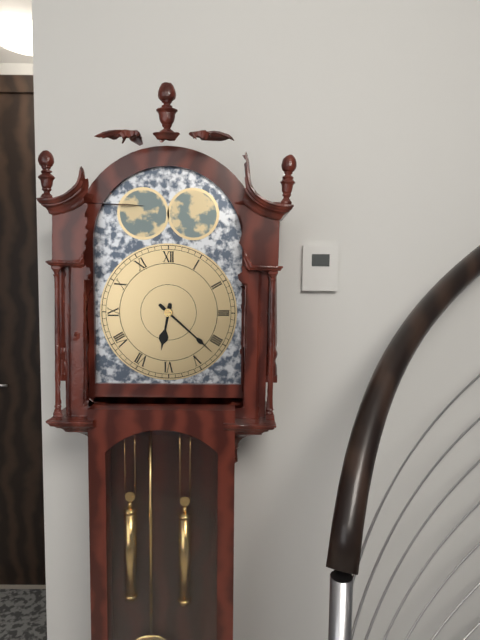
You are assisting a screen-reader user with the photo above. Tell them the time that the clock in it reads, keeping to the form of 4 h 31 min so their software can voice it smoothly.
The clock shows 6 h 22 min
